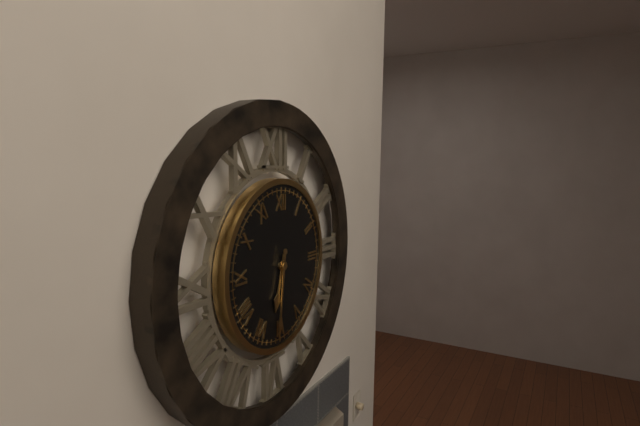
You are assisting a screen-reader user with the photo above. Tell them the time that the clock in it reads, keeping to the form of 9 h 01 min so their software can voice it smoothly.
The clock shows 6 h 31 min
